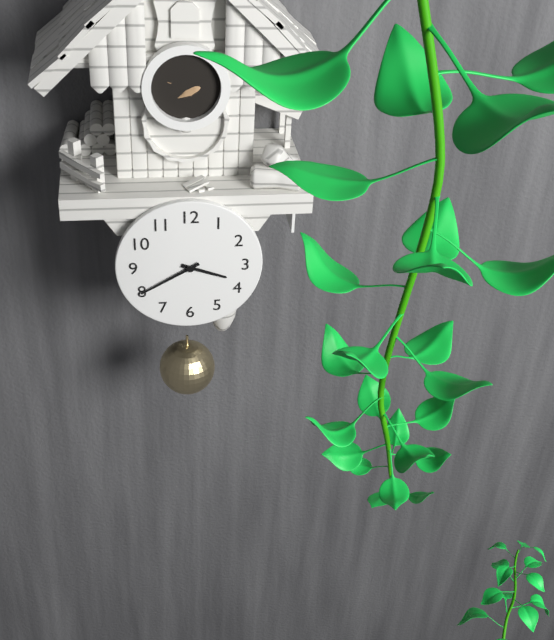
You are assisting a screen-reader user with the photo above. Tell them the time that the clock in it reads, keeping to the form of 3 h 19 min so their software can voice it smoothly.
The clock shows 3 h 40 min
